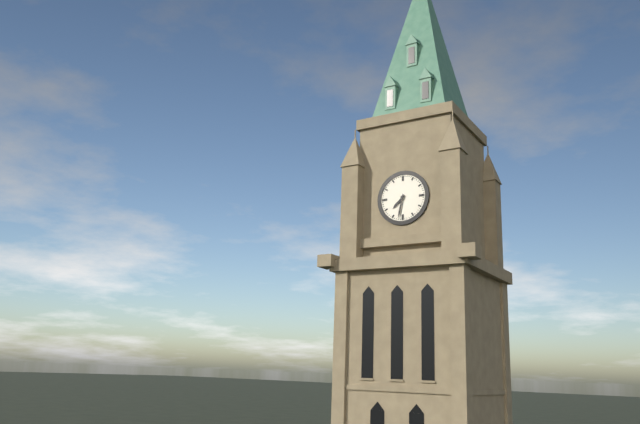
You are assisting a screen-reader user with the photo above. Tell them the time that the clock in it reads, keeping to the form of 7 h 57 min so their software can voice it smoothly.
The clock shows 7 h 32 min
